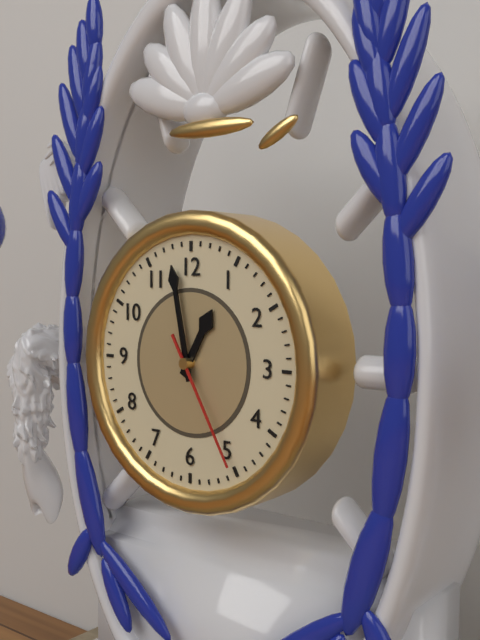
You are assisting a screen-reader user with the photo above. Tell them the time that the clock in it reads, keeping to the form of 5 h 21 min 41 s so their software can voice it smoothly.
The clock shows 12 h 58 min 25 s
